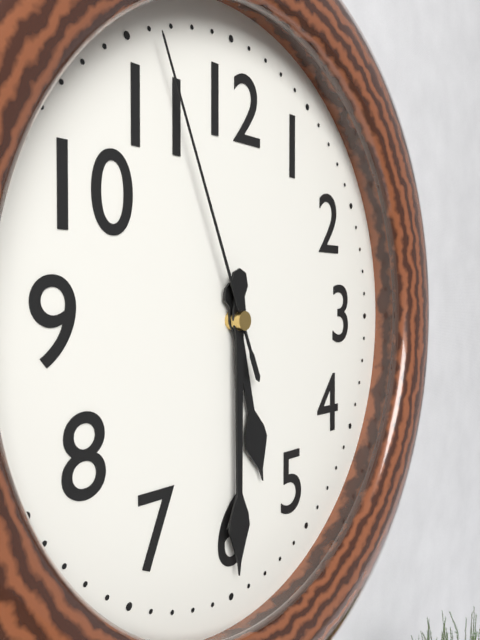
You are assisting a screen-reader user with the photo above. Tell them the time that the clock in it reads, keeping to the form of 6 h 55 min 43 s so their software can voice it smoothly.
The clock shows 5 h 30 min 56 s
